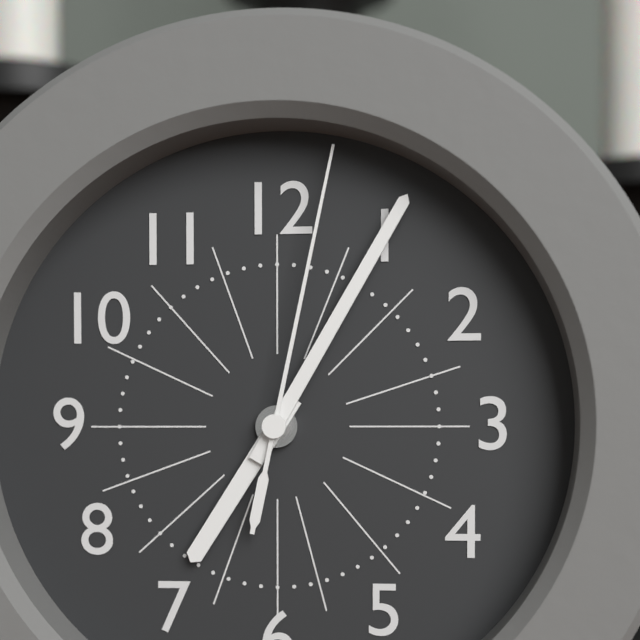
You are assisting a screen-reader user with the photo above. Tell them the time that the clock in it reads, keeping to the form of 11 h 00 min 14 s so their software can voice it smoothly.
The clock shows 7 h 05 min 02 s
